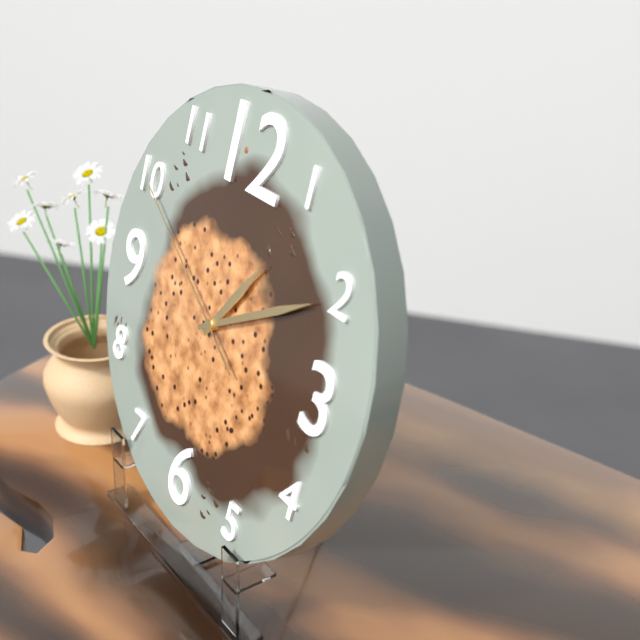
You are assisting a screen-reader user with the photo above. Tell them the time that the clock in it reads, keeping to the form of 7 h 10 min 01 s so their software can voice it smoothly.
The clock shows 1 h 10 min 50 s
